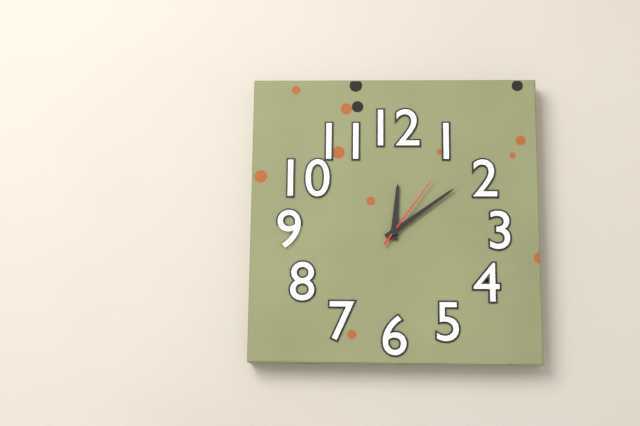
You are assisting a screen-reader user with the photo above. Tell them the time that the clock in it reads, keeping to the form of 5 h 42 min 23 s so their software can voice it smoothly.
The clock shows 12 h 09 min 06 s
